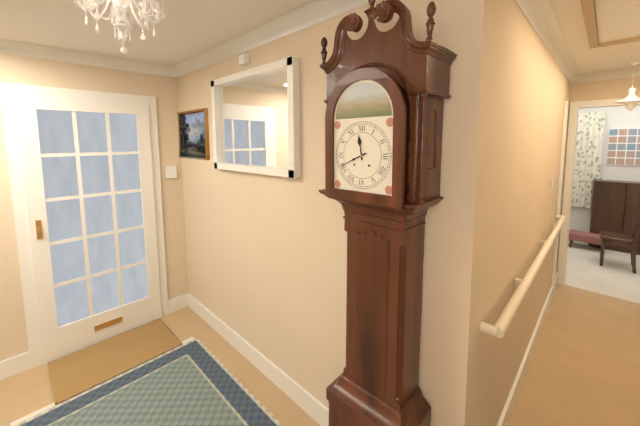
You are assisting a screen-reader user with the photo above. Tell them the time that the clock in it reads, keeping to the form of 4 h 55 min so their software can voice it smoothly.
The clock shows 11 h 41 min
